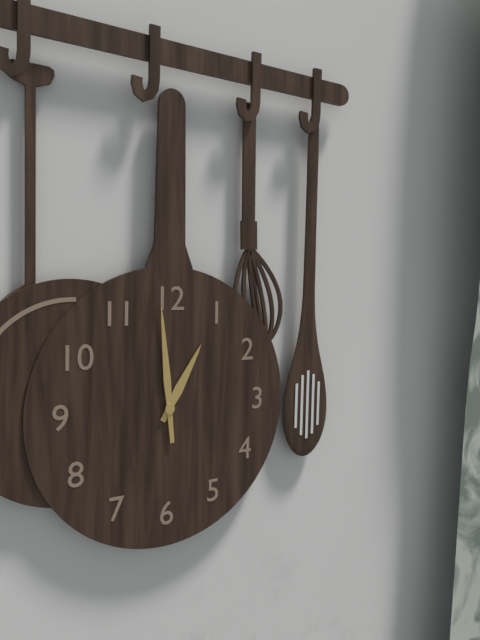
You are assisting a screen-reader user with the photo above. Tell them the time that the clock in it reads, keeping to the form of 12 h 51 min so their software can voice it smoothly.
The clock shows 12 h 59 min
